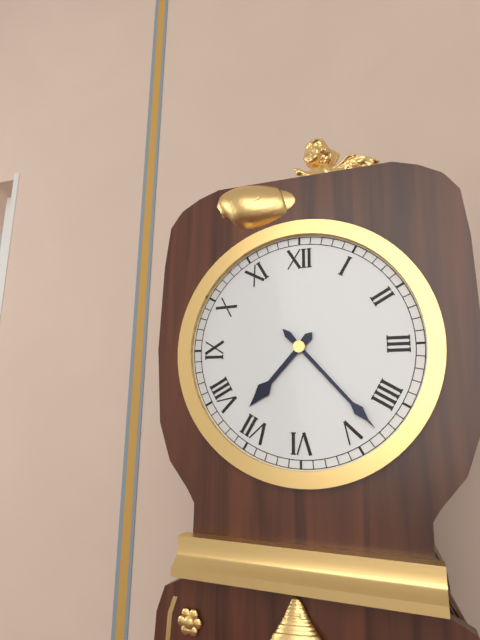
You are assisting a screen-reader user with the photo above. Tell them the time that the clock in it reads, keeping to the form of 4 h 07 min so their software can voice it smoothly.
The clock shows 7 h 23 min
